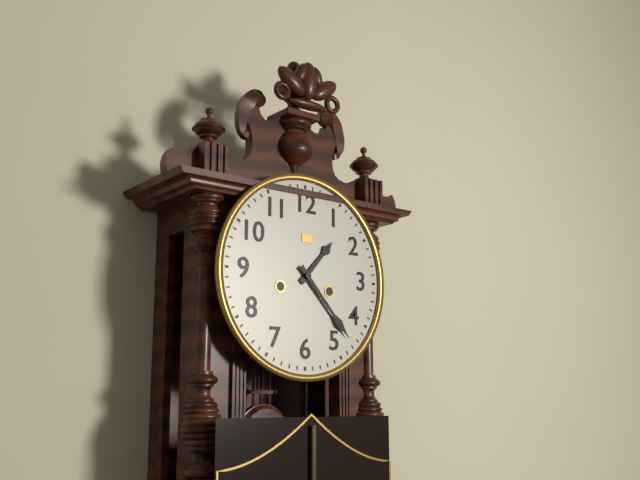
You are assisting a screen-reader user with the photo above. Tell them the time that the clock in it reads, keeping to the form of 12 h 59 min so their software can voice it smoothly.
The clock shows 1 h 23 min
